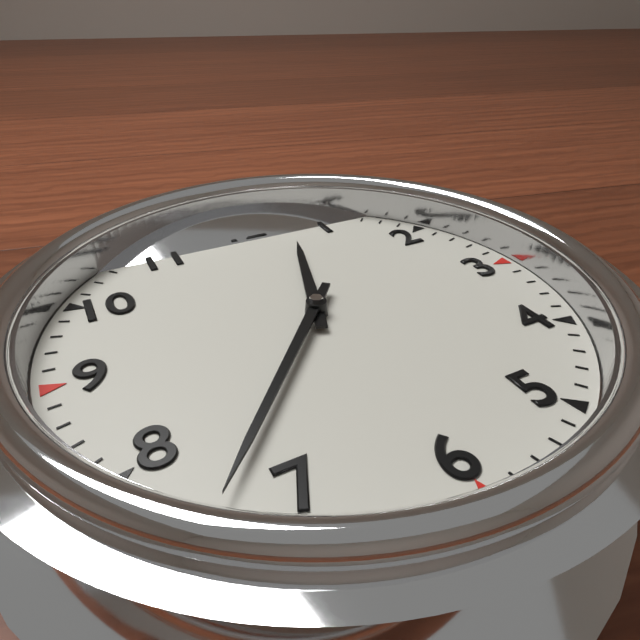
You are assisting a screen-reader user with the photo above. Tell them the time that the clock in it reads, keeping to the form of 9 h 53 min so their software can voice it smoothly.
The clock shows 12 h 37 min
